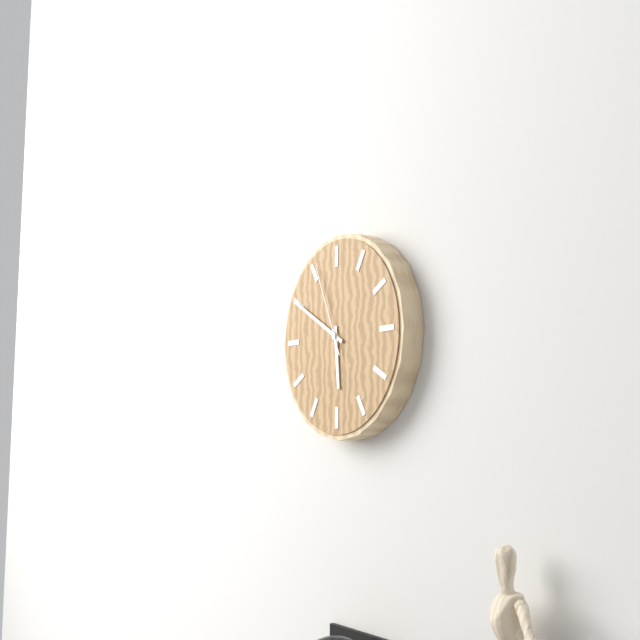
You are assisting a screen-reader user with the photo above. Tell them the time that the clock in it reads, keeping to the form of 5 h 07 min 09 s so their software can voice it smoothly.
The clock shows 5 h 50 min 56 s
